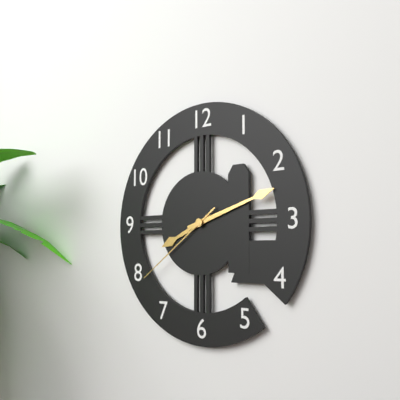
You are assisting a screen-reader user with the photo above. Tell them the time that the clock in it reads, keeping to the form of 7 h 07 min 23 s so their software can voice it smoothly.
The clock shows 8 h 12 min 39 s
